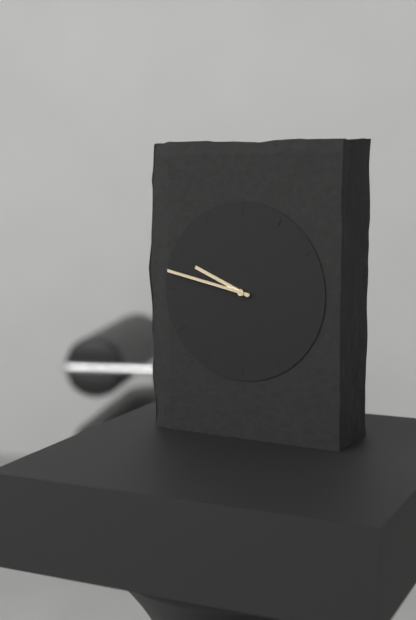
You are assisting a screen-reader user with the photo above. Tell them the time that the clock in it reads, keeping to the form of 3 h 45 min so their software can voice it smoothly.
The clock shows 9 h 47 min
